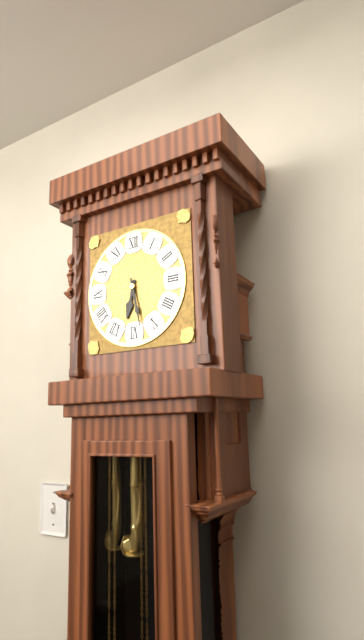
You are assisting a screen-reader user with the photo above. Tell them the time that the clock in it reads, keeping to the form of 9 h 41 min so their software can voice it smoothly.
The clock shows 6 h 28 min
